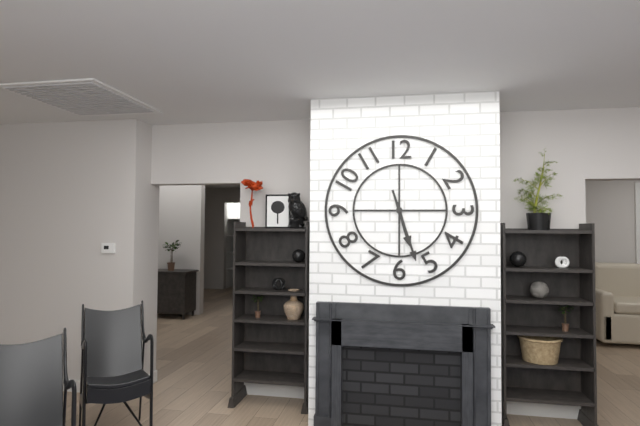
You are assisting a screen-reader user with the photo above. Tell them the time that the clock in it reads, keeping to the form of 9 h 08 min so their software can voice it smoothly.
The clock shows 5 h 27 min
